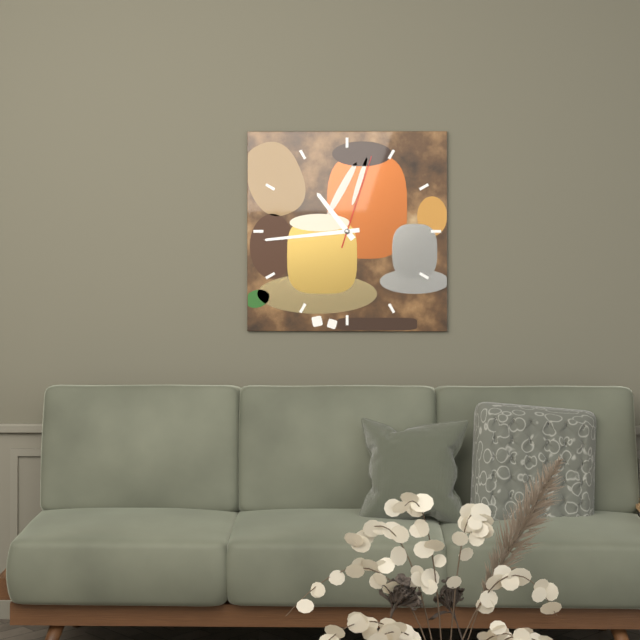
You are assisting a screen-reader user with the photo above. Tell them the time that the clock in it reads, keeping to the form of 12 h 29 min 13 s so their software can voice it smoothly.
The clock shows 10 h 44 min 03 s
